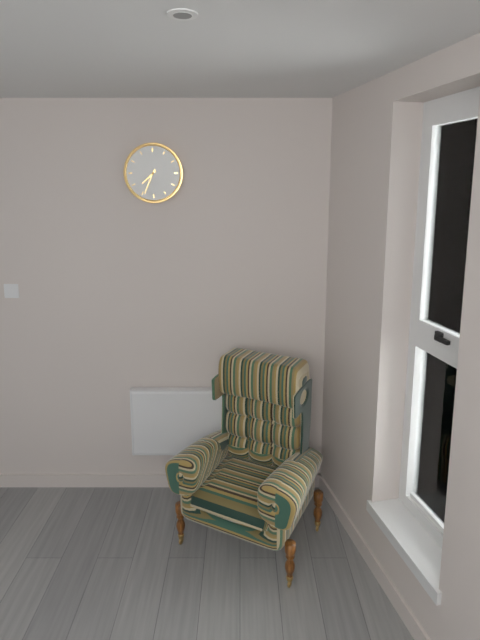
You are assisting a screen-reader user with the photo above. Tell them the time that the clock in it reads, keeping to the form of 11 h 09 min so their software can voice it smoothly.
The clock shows 7 h 34 min
